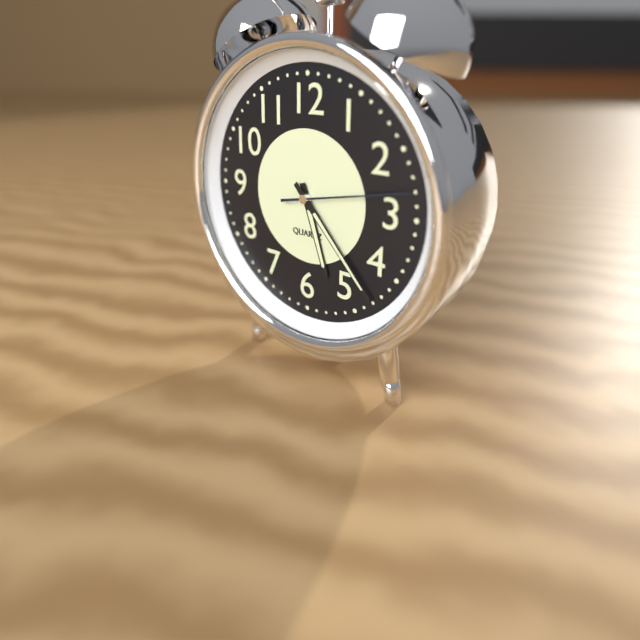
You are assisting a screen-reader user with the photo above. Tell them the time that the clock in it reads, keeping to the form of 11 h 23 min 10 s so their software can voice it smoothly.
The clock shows 5 h 23 min 13 s
